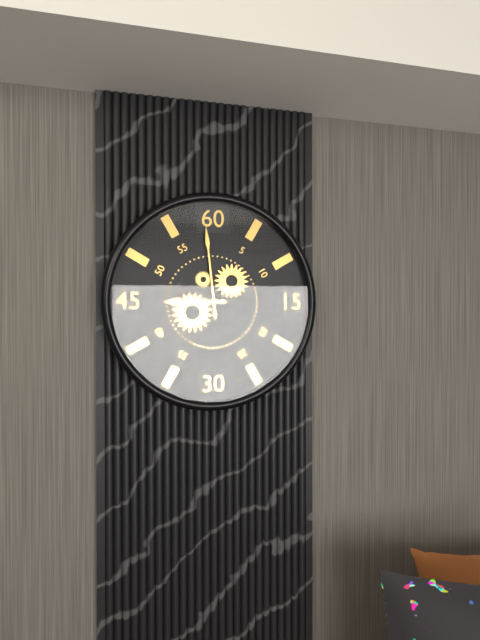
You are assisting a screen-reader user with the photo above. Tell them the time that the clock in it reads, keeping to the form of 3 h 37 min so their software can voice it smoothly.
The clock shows 8 h 59 min
